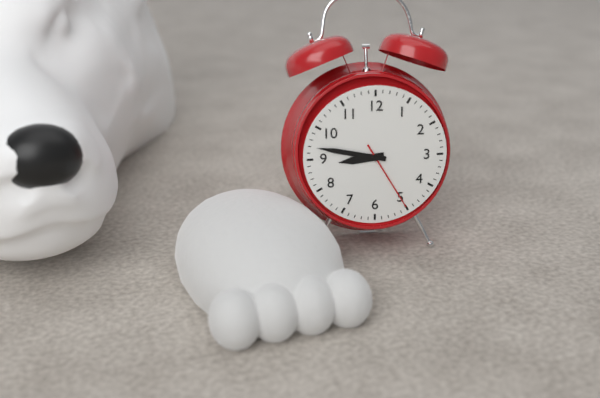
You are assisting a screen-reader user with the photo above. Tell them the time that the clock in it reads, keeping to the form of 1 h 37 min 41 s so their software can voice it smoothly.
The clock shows 8 h 47 min 25 s
